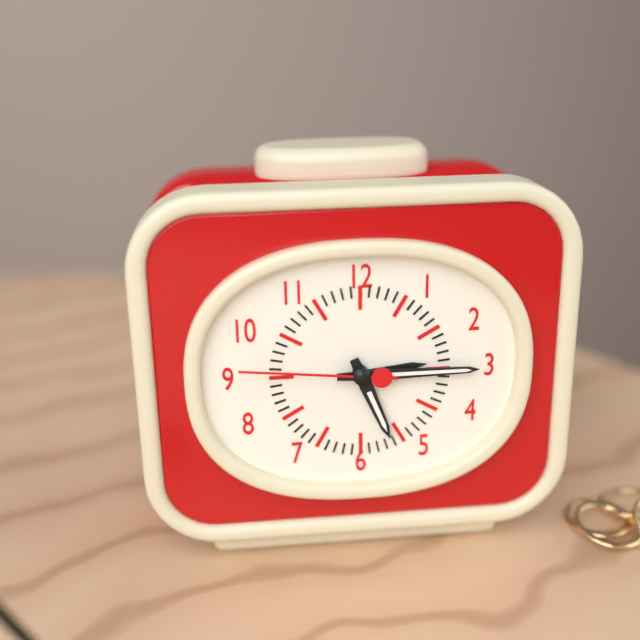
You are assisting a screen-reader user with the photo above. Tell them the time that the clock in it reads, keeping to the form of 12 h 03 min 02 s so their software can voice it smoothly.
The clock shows 5 h 15 min 46 s
